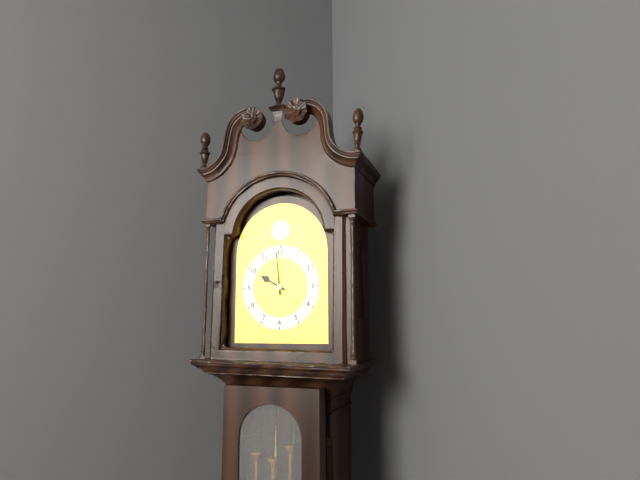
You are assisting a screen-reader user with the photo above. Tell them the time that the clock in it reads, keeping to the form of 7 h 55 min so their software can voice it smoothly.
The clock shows 9 h 59 min
